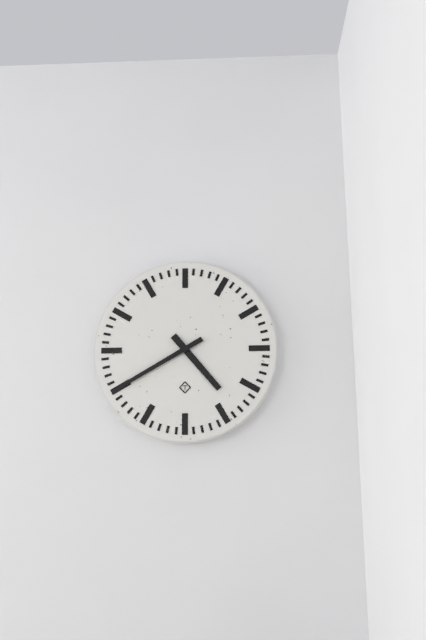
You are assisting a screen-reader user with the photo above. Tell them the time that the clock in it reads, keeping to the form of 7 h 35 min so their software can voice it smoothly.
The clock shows 4 h 40 min
